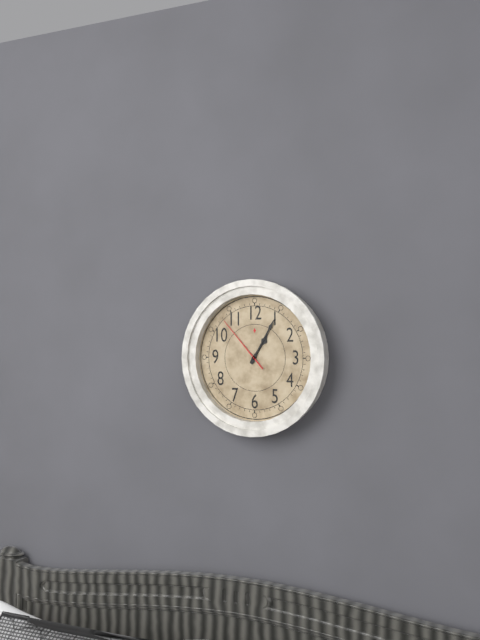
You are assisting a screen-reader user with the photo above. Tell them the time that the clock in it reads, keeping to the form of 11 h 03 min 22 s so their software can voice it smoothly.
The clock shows 1 h 05 min 53 s
